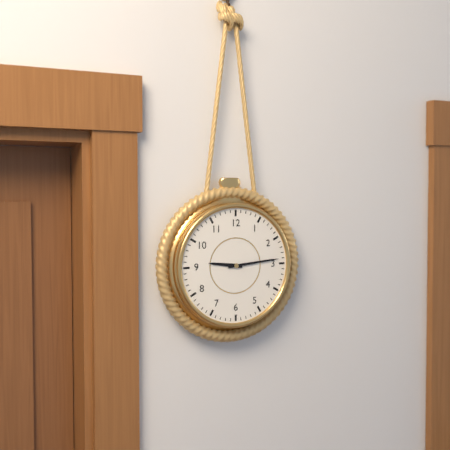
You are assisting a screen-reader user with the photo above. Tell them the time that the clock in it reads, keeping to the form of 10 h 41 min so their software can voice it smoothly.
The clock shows 9 h 14 min
